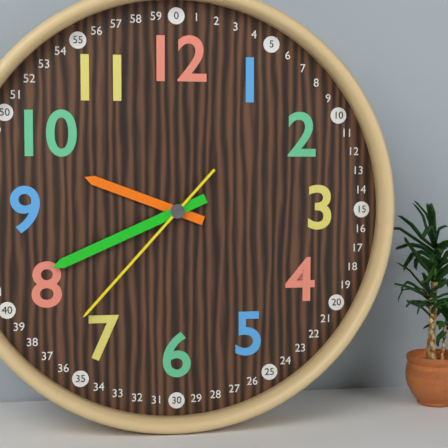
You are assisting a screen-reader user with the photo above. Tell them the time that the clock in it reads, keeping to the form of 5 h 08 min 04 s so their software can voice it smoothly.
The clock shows 9 h 41 min 37 s
